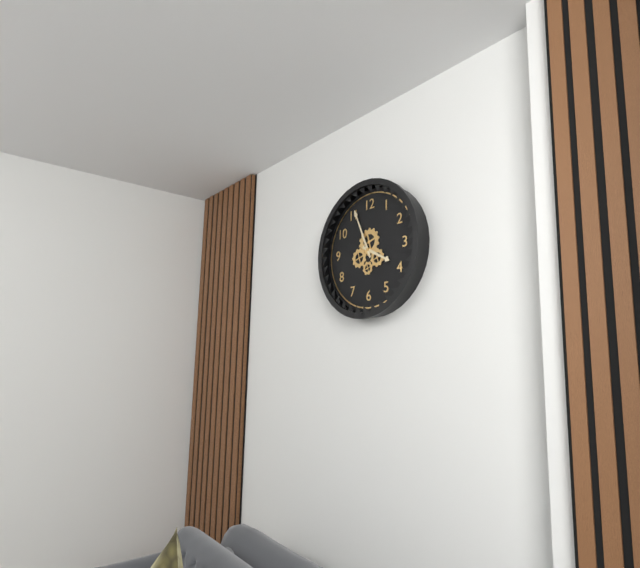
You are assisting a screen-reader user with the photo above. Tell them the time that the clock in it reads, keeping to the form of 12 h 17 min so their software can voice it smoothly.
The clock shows 3 h 56 min
